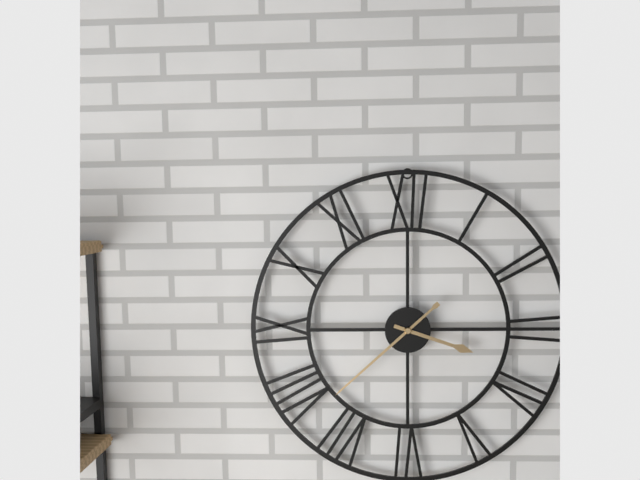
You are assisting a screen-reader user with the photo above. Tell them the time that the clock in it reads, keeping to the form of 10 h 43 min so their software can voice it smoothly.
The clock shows 3 h 38 min
